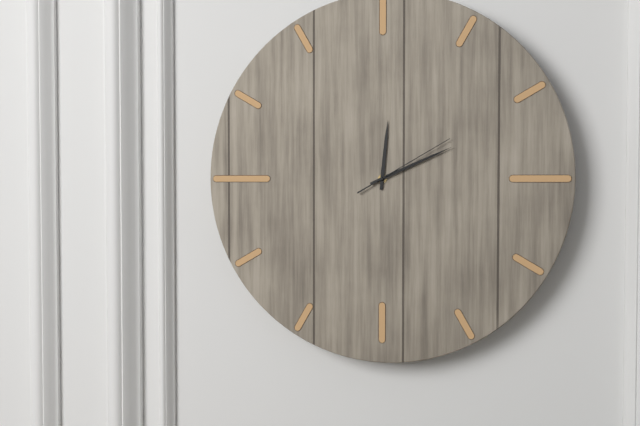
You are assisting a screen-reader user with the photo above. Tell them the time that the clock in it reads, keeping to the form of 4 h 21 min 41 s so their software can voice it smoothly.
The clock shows 12 h 11 min 10 s
